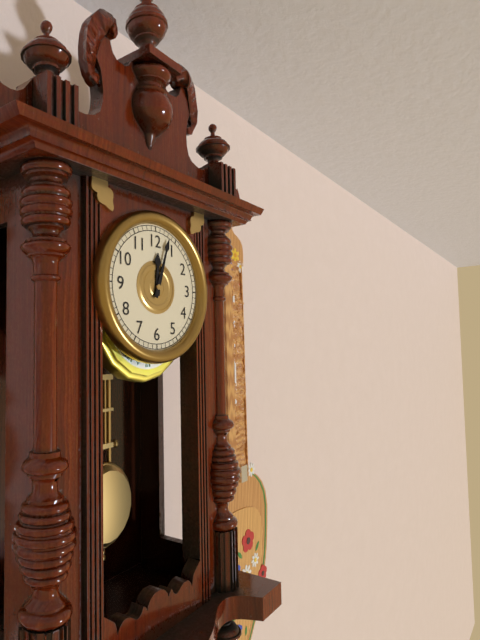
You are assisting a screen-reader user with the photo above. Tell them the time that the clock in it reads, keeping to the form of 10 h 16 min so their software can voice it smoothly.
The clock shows 12 h 03 min
